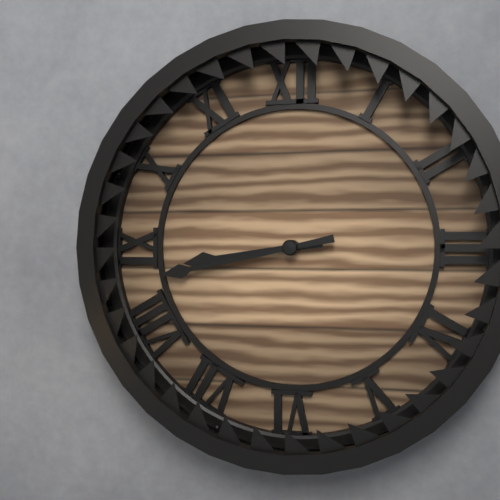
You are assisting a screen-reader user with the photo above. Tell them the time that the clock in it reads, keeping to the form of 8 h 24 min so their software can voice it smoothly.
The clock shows 8 h 43 min
